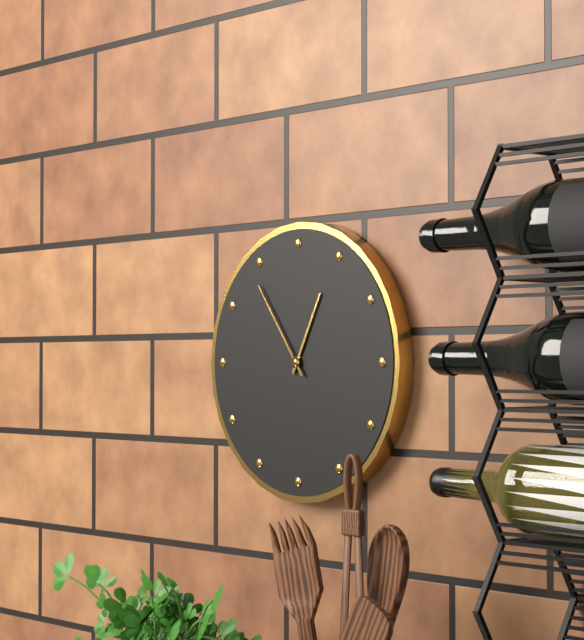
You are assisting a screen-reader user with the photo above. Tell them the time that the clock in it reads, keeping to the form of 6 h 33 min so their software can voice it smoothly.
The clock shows 12 h 54 min
